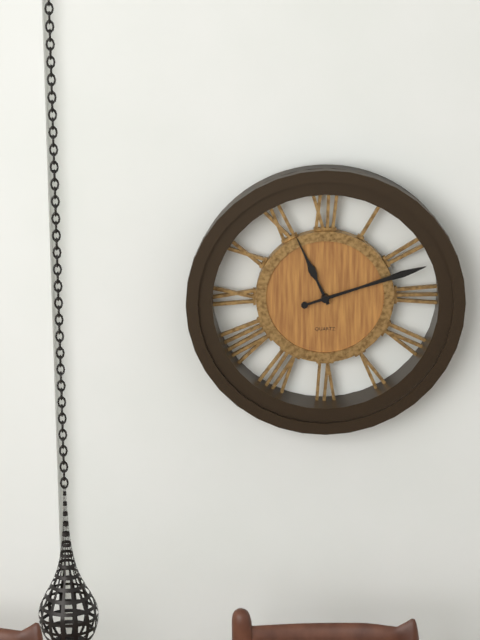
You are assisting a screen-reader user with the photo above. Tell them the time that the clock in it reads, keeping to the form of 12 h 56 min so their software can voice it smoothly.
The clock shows 11 h 12 min
